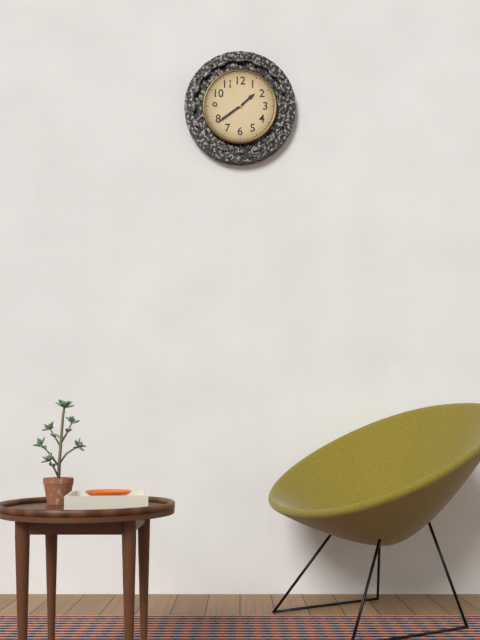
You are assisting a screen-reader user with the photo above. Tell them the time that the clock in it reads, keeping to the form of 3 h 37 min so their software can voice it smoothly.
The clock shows 1 h 39 min
